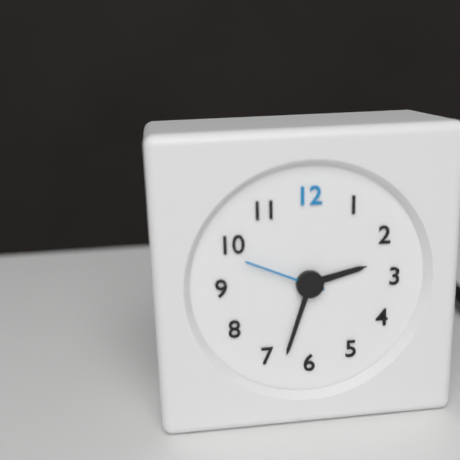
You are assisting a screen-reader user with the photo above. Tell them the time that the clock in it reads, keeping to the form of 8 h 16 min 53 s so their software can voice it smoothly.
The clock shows 2 h 33 min 49 s
